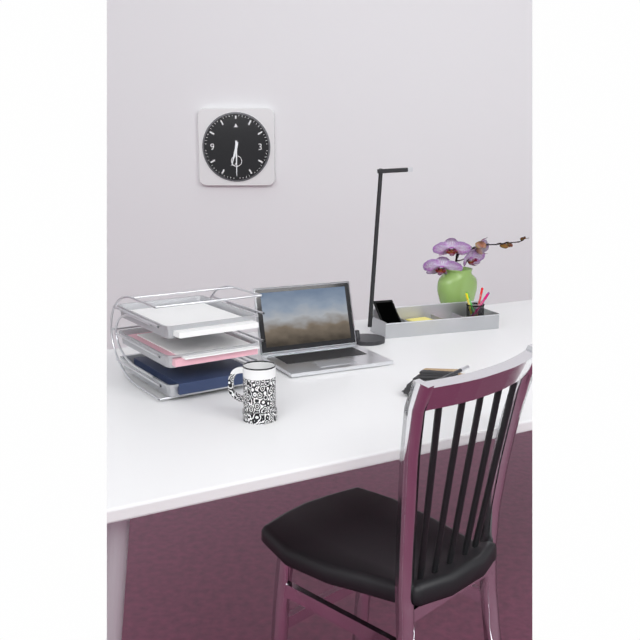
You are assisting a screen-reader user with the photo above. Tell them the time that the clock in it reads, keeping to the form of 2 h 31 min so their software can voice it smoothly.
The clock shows 6 h 30 min
